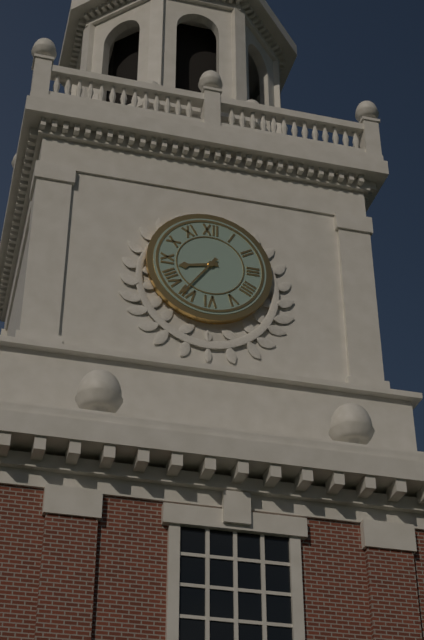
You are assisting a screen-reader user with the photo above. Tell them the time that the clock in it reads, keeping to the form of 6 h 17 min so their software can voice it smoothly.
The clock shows 8 h 36 min
